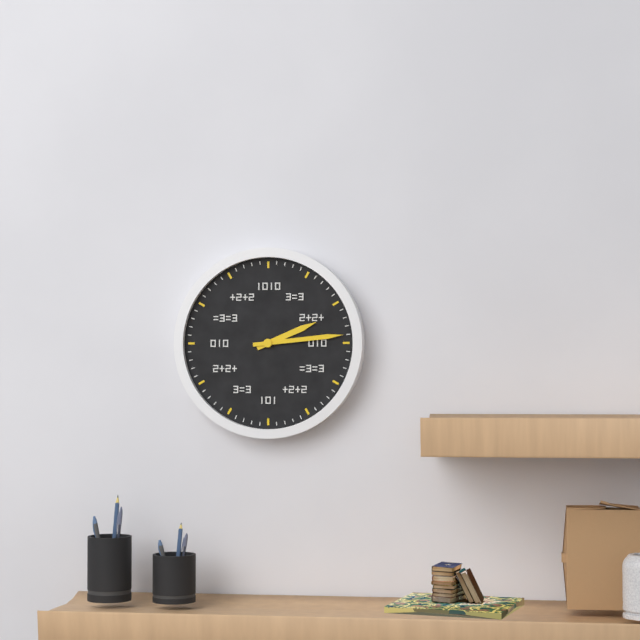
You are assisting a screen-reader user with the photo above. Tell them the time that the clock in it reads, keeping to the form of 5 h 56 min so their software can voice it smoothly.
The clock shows 2 h 14 min
